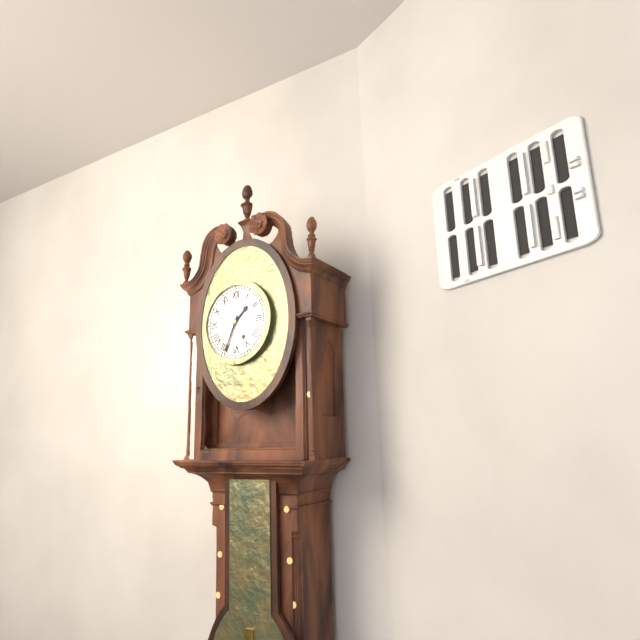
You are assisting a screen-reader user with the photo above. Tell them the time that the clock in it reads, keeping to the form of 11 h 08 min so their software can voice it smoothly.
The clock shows 1 h 34 min
